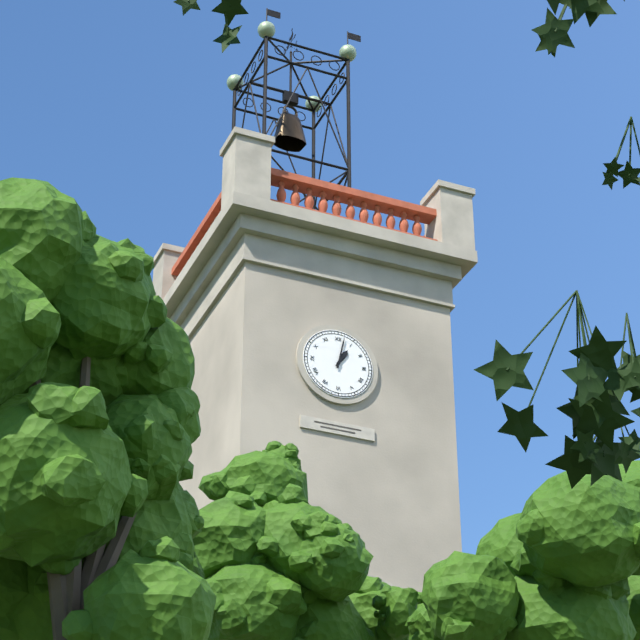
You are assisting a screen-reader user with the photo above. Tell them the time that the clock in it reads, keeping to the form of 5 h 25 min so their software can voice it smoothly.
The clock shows 1 h 02 min
